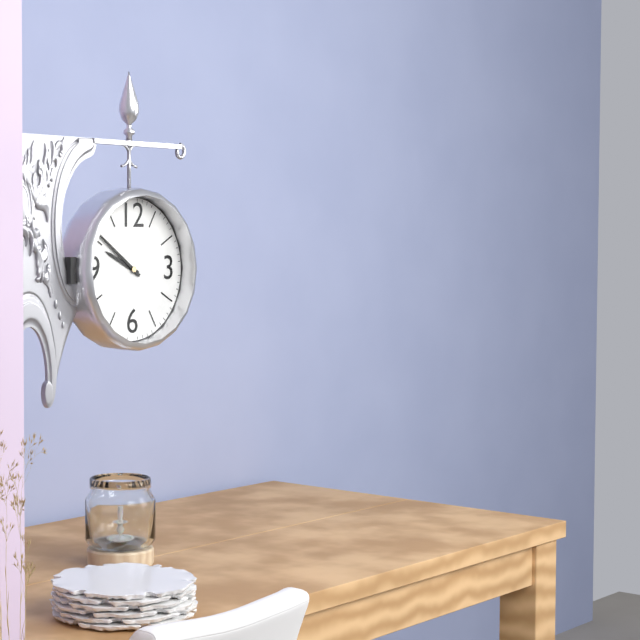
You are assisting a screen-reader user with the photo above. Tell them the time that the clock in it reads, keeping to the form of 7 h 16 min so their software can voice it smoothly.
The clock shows 9 h 51 min
